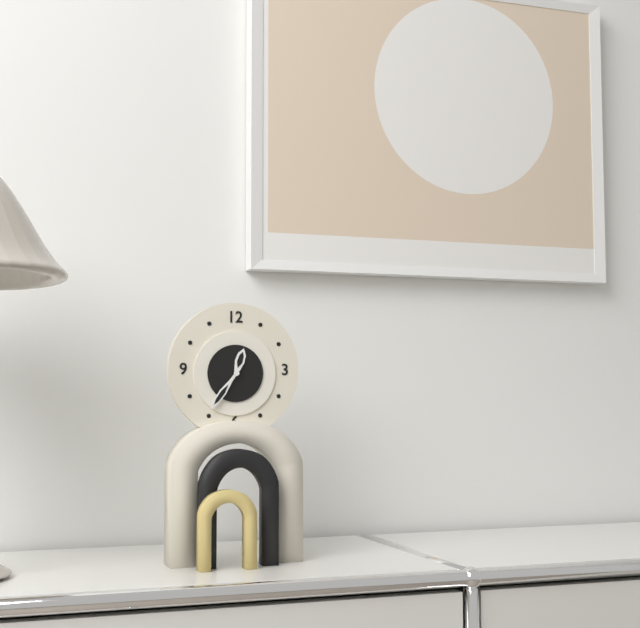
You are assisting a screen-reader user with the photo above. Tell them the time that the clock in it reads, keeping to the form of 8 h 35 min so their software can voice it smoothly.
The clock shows 12 h 36 min
